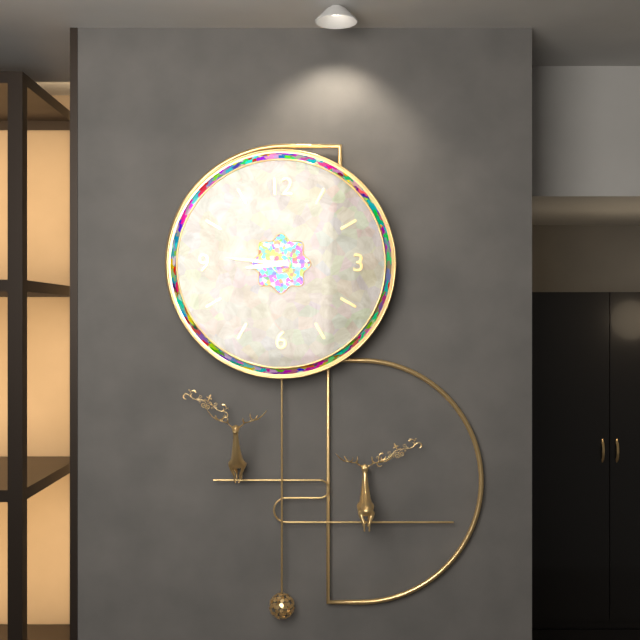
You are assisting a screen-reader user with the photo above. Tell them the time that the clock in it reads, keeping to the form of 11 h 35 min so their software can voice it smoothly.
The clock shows 8 h 46 min
